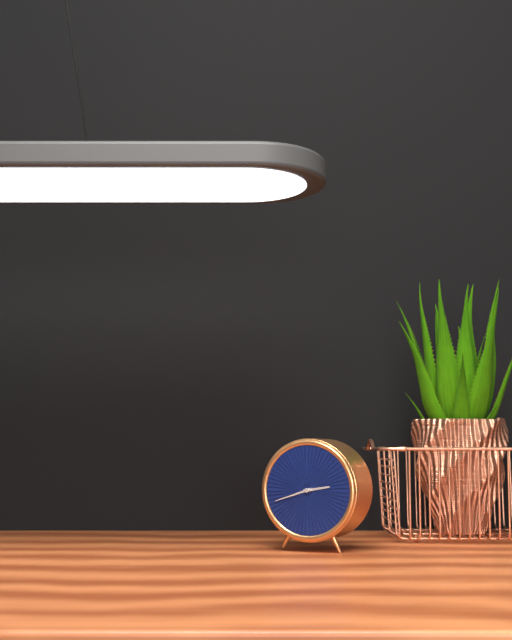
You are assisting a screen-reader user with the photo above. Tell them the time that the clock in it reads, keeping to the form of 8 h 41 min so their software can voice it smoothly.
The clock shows 2 h 42 min
